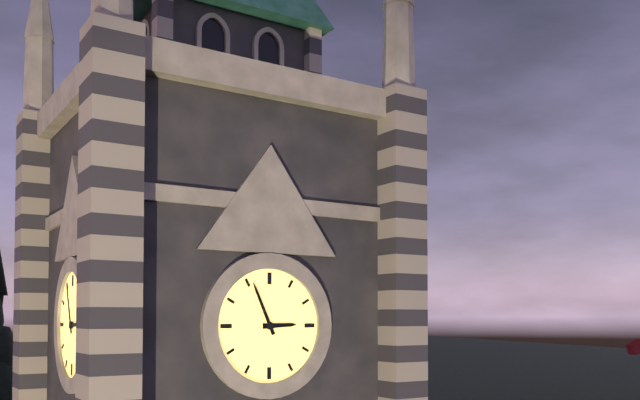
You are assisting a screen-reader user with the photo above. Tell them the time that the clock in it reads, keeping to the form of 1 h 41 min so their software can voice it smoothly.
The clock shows 2 h 56 min
